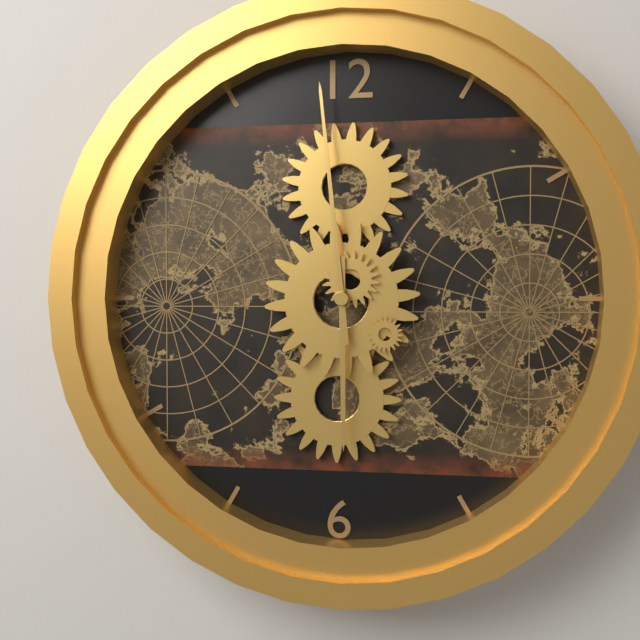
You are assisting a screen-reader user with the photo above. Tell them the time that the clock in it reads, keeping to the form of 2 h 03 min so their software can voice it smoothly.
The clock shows 5 h 59 min
